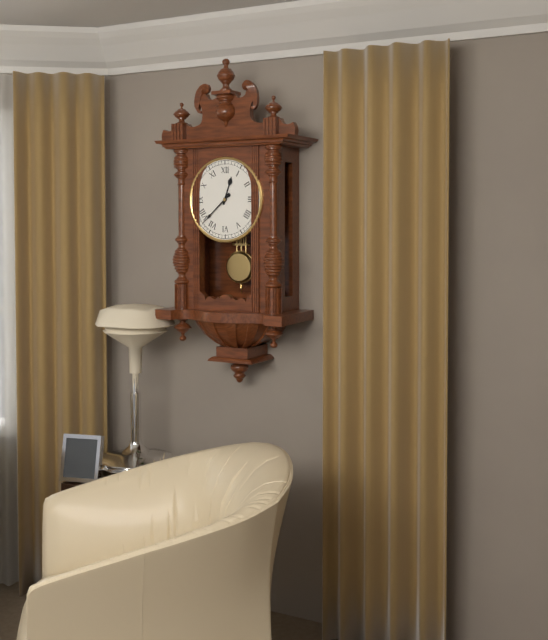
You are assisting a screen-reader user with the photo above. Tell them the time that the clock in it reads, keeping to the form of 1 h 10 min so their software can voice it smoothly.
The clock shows 12 h 38 min
